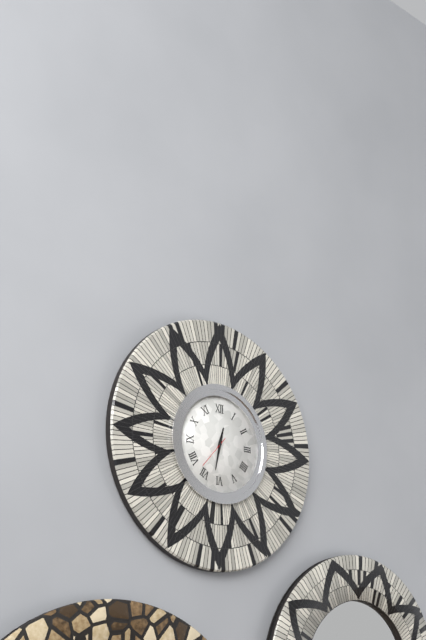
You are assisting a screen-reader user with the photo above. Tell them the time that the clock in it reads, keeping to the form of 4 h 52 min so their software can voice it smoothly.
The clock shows 12 h 32 min
